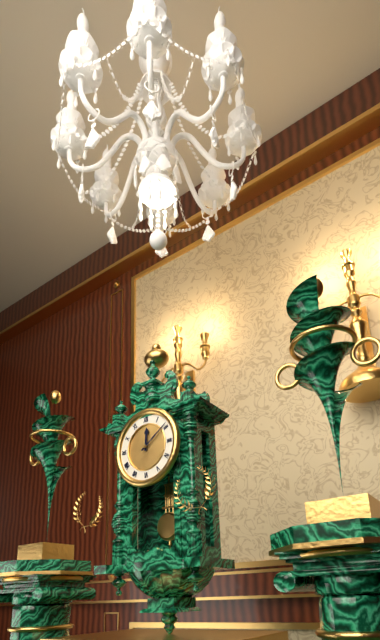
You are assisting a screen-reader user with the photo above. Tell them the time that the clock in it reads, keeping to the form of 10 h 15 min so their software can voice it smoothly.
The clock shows 12 h 09 min
